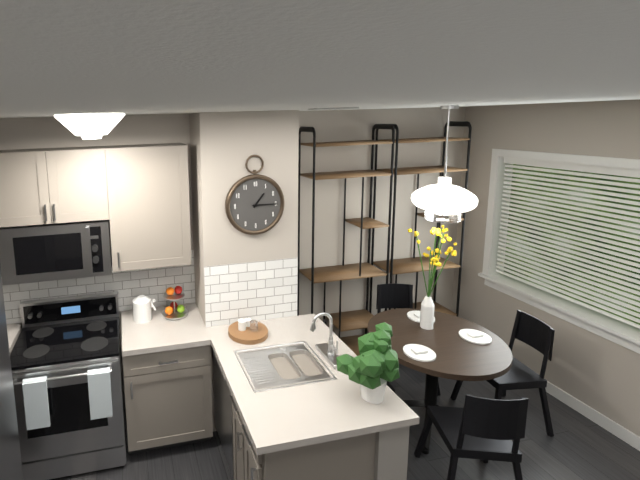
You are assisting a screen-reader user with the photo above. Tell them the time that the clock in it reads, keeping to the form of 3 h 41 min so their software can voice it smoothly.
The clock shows 1 h 15 min
